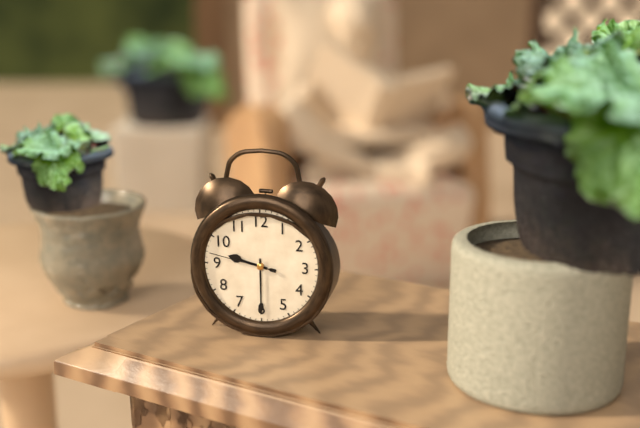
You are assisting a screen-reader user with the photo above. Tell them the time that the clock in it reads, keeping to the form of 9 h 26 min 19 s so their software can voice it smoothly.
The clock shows 9 h 30 min 47 s
